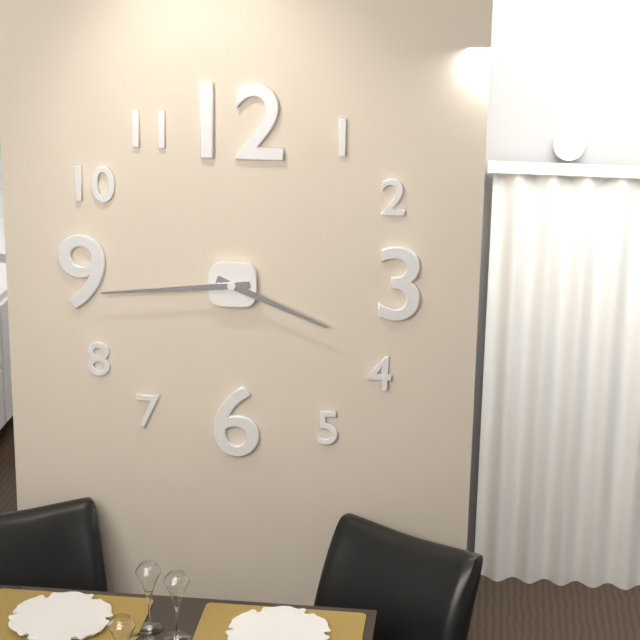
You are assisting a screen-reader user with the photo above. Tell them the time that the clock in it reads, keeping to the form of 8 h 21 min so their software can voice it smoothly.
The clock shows 3 h 44 min
